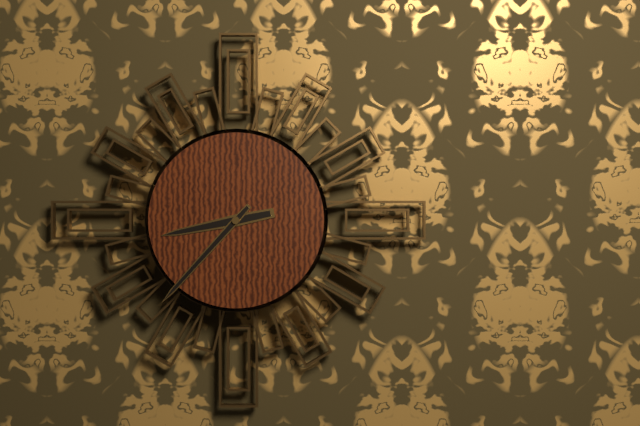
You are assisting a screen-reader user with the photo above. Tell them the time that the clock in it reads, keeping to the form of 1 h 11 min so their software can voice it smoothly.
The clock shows 8 h 37 min
